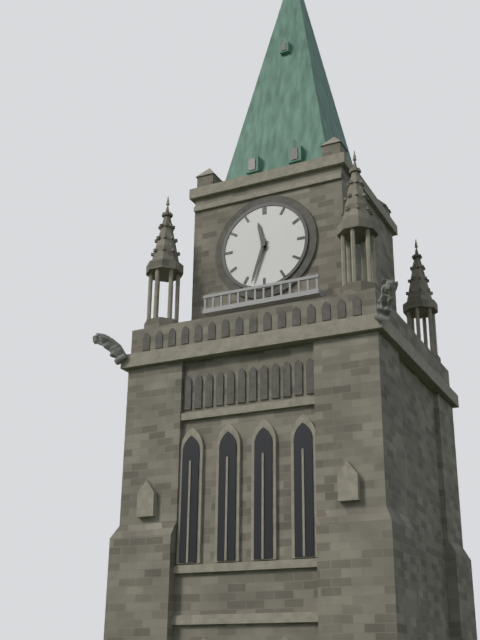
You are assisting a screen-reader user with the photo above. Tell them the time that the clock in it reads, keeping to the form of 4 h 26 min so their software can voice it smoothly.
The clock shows 11 h 33 min
